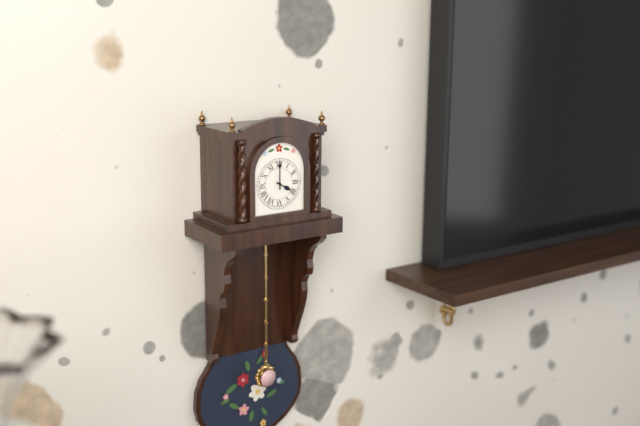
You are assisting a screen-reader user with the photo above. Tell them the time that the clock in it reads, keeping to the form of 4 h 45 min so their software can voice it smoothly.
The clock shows 4 h 00 min
